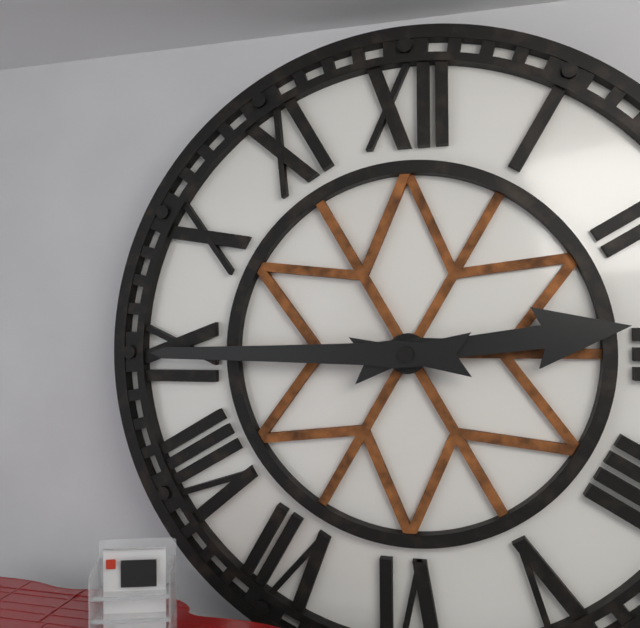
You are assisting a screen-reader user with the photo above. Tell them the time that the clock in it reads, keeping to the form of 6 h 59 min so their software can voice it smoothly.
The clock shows 2 h 45 min
